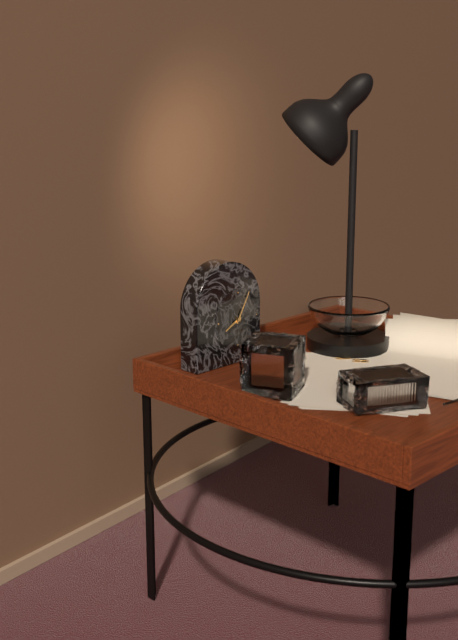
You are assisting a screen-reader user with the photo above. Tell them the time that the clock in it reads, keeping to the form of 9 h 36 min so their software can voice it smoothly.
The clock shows 8 h 05 min
